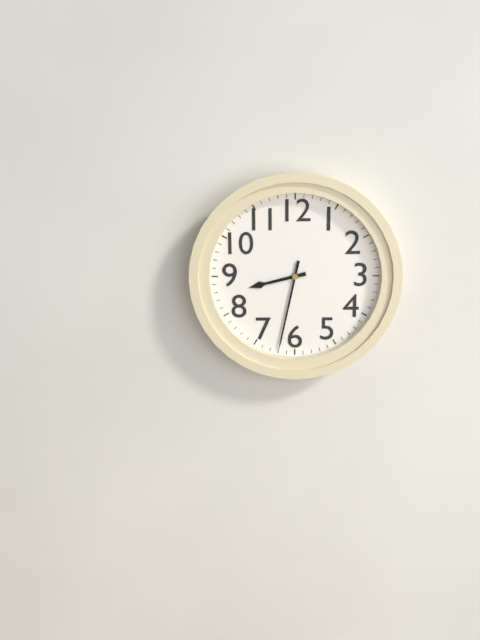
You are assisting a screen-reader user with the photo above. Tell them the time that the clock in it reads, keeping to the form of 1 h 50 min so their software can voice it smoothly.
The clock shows 8 h 32 min
